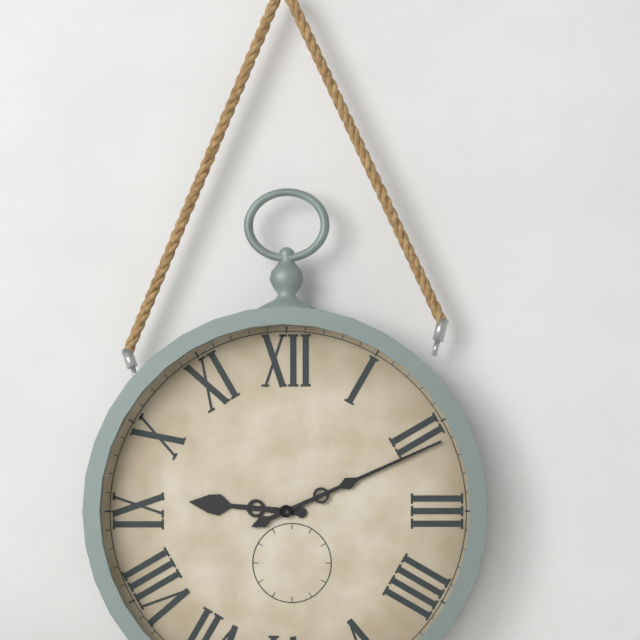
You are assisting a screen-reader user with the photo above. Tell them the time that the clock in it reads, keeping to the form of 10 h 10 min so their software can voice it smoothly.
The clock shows 9 h 11 min
